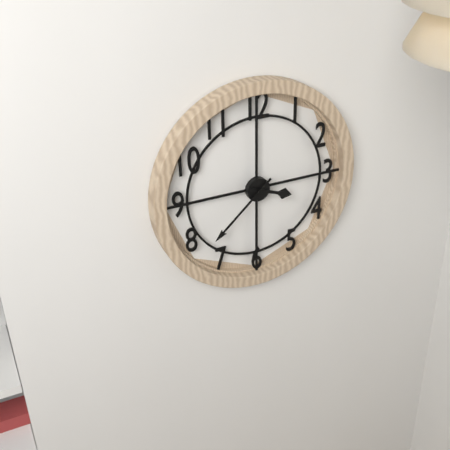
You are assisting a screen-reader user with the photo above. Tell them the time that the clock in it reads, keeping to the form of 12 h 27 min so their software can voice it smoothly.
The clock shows 3 h 38 min
